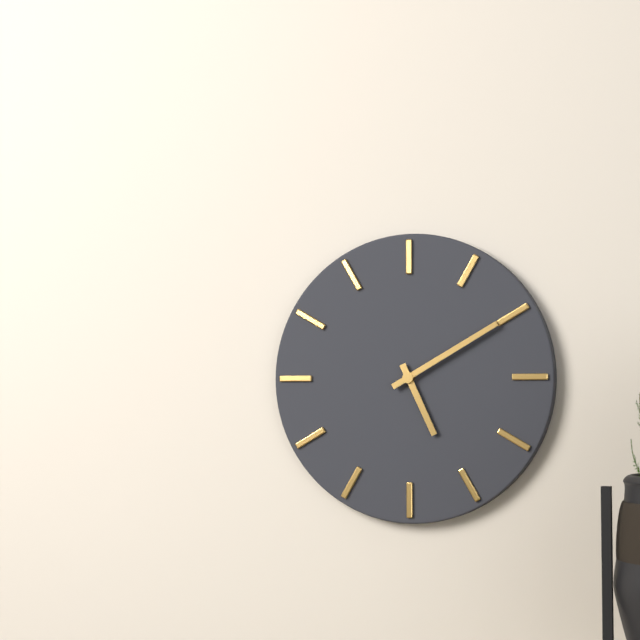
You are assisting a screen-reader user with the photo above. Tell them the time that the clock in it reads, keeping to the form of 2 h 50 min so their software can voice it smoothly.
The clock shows 5 h 10 min
